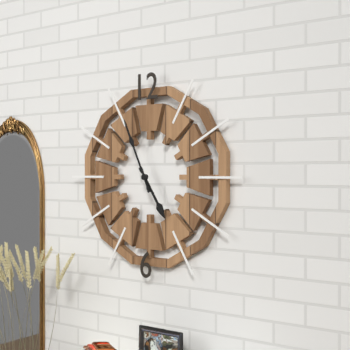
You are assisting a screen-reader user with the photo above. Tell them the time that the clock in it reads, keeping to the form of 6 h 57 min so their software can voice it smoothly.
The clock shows 4 h 56 min
